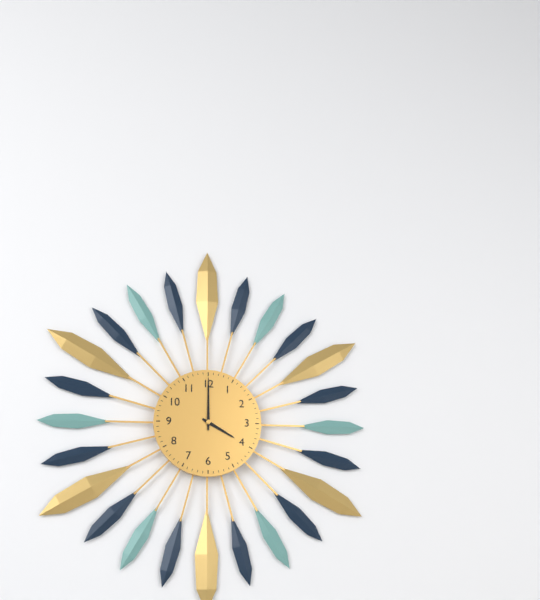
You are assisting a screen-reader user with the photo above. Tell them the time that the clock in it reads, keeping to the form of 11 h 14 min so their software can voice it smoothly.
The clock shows 4 h 00 min
